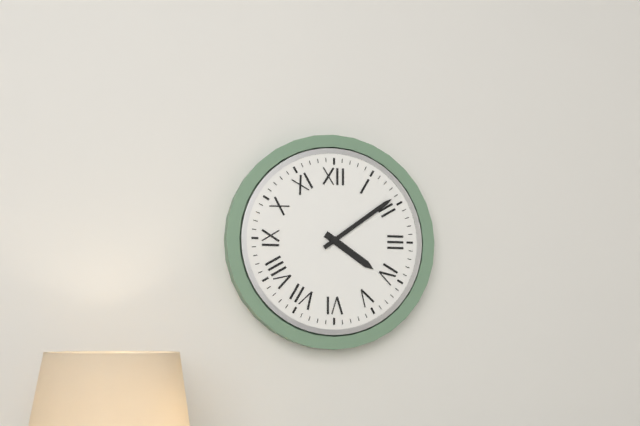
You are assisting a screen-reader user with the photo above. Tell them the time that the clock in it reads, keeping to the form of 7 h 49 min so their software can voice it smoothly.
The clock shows 4 h 09 min
